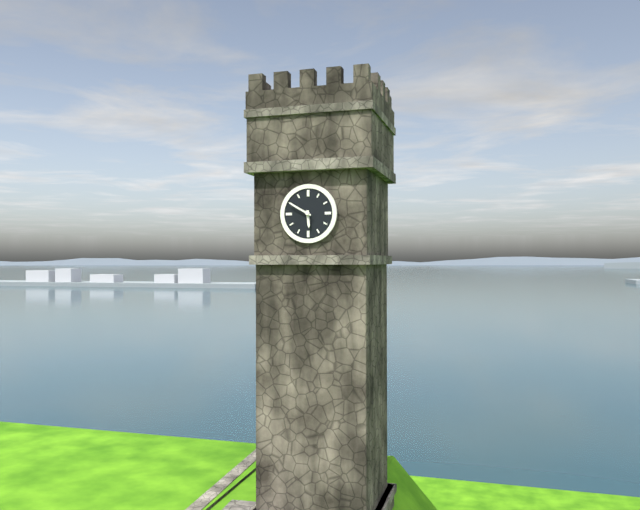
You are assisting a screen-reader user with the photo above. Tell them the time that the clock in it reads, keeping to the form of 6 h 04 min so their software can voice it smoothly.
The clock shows 5 h 50 min
